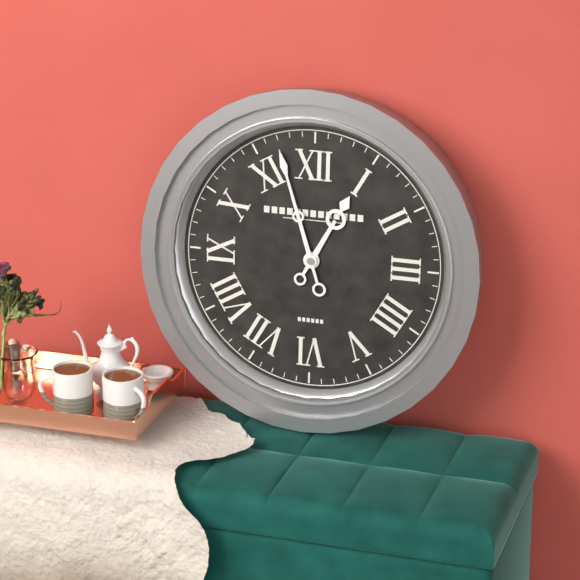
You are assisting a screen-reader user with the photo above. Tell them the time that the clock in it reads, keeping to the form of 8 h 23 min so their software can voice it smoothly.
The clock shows 12 h 57 min
